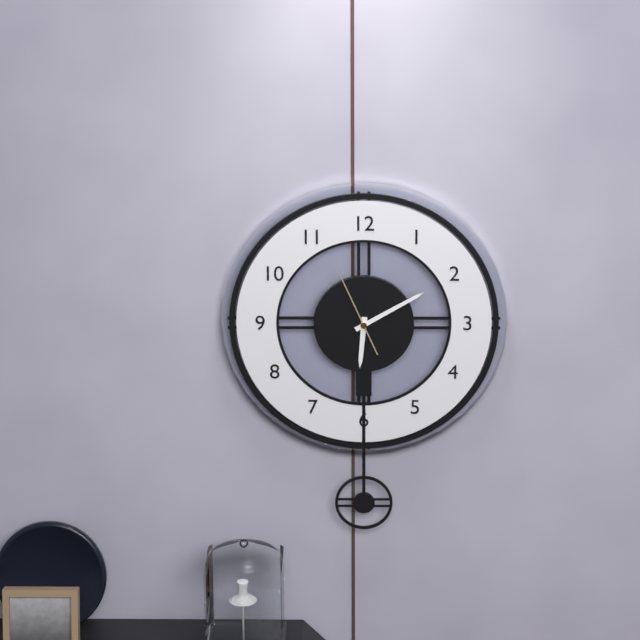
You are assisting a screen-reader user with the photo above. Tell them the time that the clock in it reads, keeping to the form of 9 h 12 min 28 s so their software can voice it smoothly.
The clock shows 6 h 10 min 56 s
